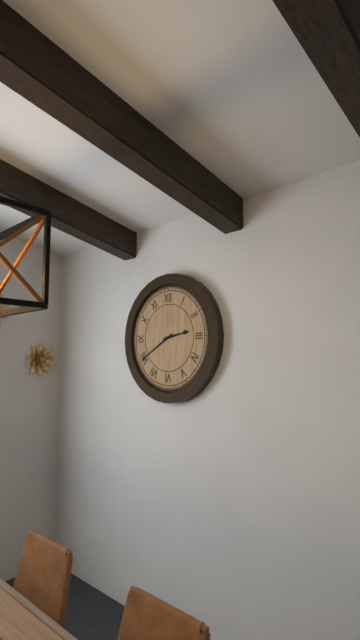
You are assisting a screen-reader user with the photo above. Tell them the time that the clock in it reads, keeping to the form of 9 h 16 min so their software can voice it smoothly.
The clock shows 2 h 40 min
